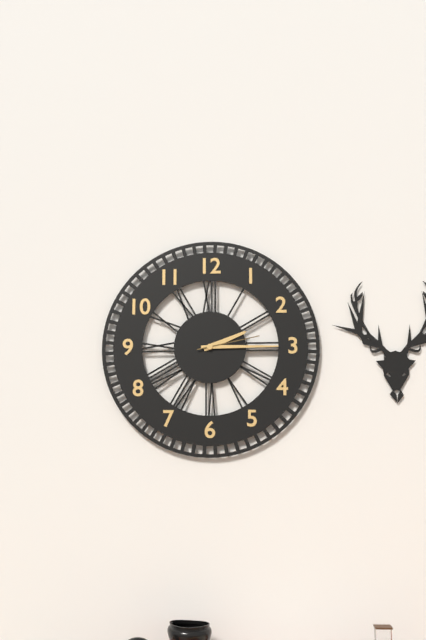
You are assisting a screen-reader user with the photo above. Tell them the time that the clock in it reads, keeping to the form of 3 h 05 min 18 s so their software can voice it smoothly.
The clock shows 2 h 15 min 13 s
